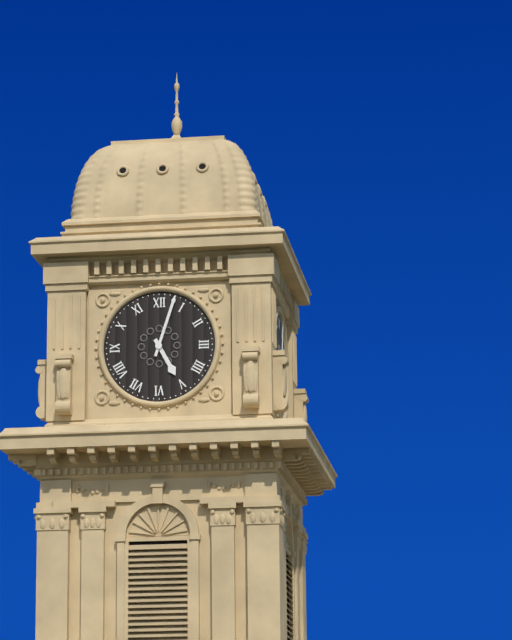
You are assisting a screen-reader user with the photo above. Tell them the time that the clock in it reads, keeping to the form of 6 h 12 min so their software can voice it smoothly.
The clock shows 5 h 03 min
